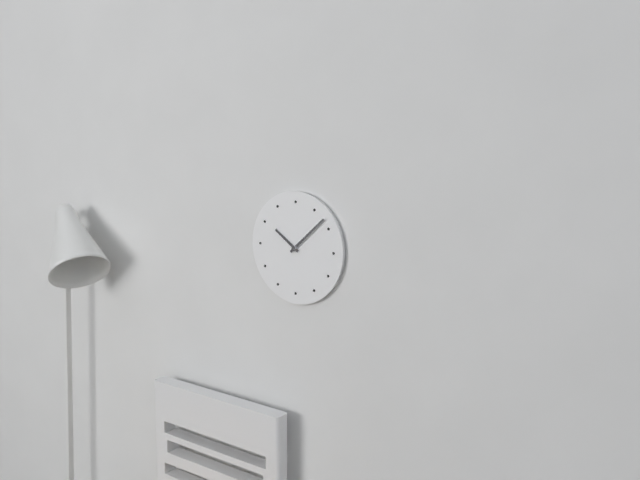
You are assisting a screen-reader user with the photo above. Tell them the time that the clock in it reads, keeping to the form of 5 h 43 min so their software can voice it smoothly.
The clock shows 10 h 08 min
